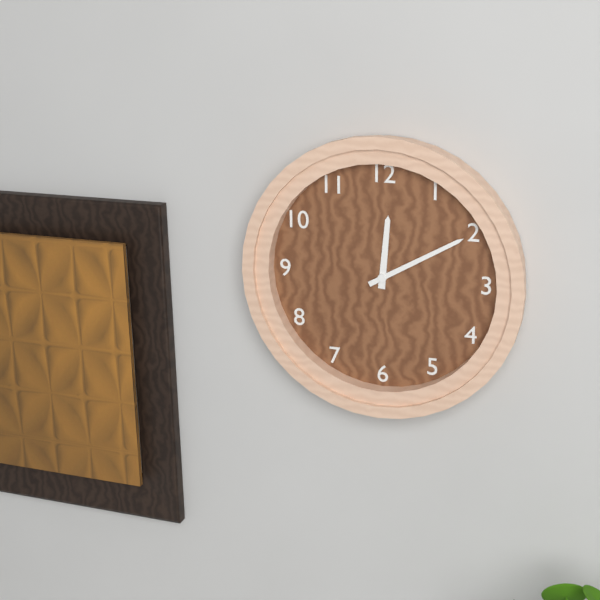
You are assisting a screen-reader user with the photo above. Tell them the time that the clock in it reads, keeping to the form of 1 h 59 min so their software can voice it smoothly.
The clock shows 12 h 10 min
